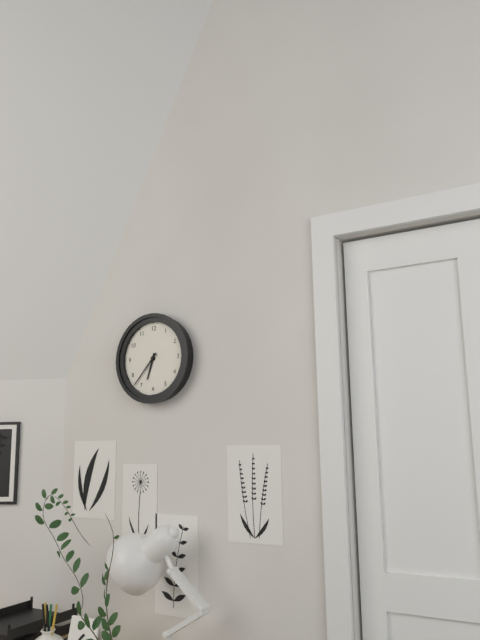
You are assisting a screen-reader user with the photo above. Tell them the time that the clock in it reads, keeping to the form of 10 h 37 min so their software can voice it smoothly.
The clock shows 6 h 37 min
